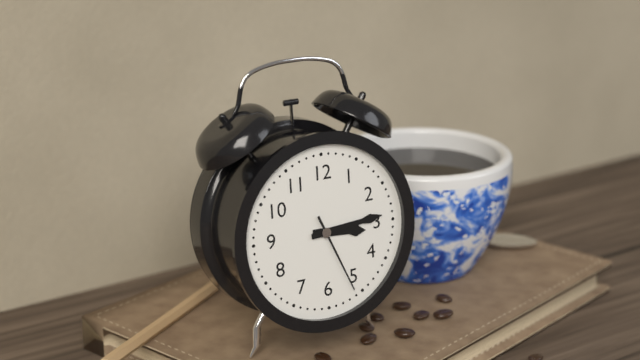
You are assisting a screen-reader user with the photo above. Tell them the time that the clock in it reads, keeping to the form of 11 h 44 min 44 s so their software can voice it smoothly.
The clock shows 3 h 14 min 26 s
